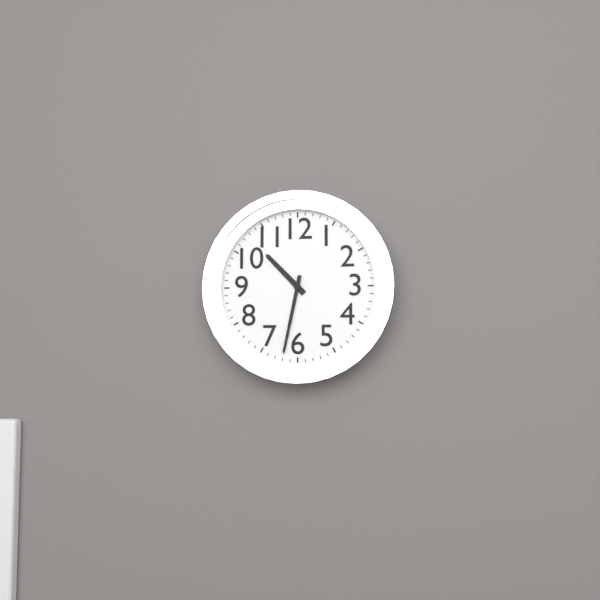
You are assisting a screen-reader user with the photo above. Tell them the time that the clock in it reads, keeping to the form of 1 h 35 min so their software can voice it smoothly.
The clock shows 10 h 32 min
